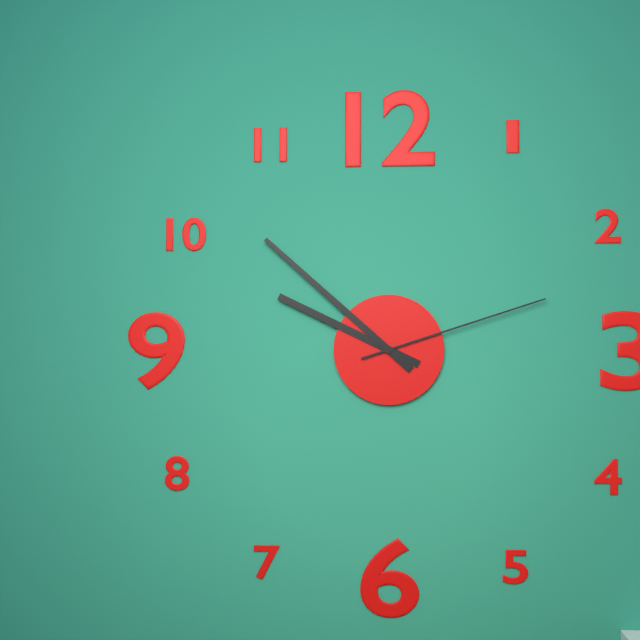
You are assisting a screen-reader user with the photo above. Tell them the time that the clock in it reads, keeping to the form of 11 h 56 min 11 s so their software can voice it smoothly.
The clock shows 9 h 52 min 12 s
